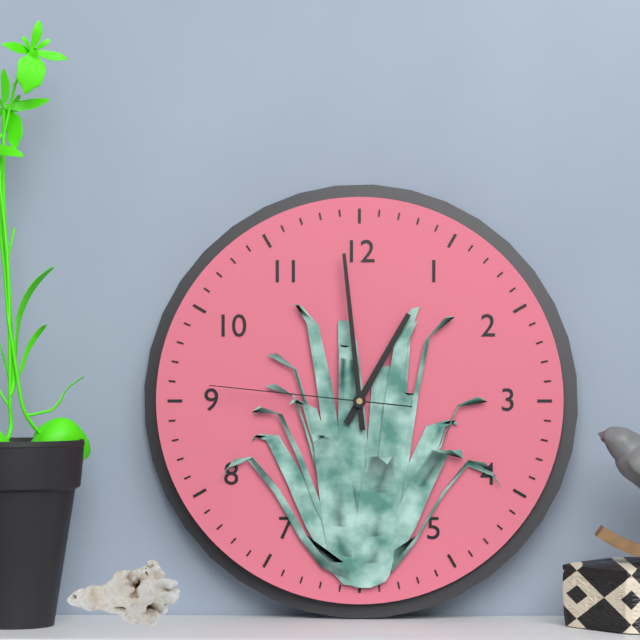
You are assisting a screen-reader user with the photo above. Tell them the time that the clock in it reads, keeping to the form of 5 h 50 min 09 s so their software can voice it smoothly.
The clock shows 12 h 59 min 46 s
